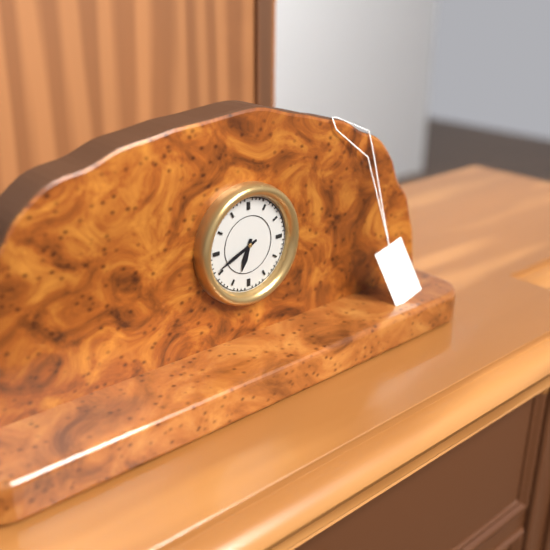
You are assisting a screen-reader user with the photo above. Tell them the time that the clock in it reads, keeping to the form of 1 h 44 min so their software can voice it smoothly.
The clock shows 6 h 41 min
